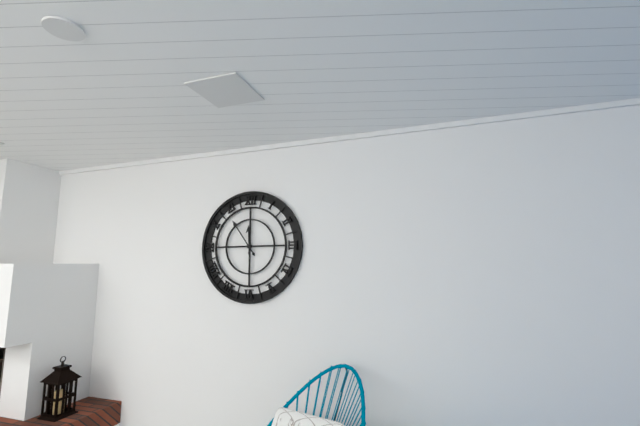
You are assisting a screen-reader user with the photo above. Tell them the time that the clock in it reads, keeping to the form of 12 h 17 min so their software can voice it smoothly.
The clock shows 11 h 54 min
